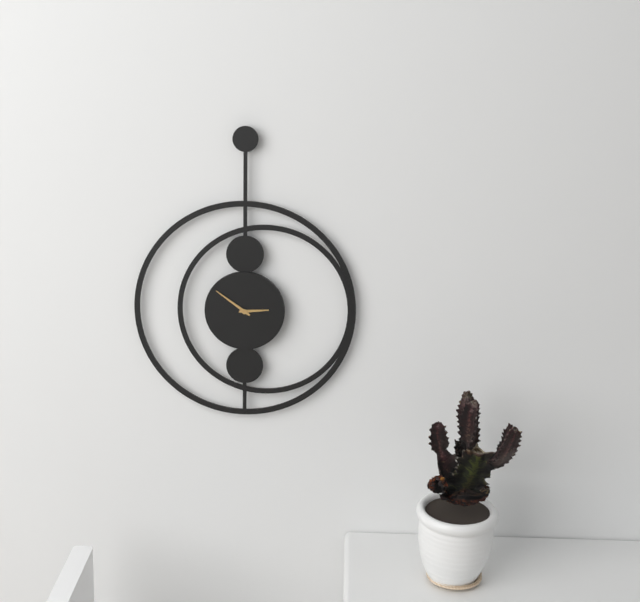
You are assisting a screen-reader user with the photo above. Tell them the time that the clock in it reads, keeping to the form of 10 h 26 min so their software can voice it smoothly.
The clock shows 2 h 51 min
